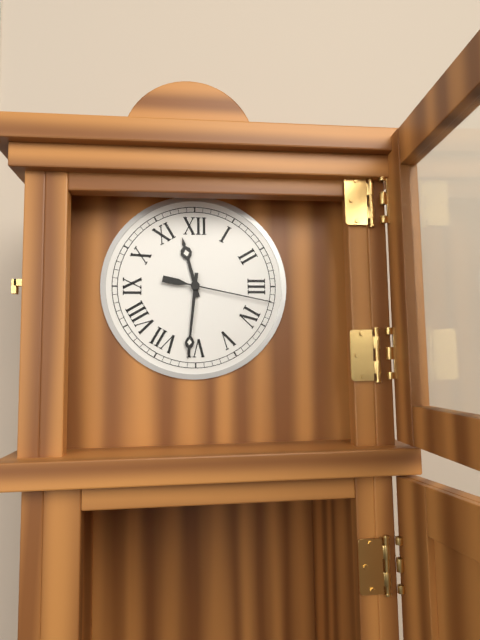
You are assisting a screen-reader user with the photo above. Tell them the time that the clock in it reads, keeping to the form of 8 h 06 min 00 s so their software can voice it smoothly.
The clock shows 11 h 31 min 17 s
